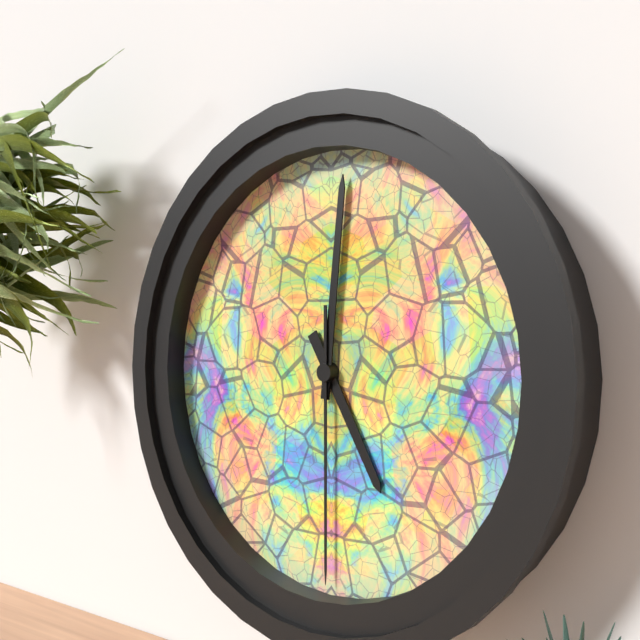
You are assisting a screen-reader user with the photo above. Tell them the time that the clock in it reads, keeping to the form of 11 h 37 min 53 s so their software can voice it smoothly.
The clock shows 5 h 01 min 30 s
